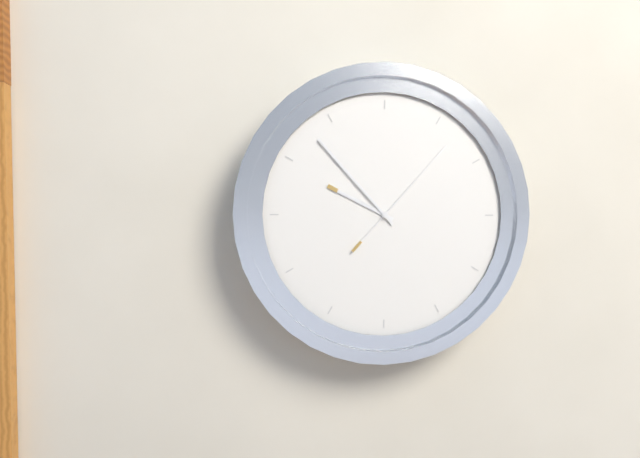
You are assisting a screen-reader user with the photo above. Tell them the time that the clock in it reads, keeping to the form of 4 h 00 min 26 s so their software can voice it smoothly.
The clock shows 9 h 53 min 07 s
